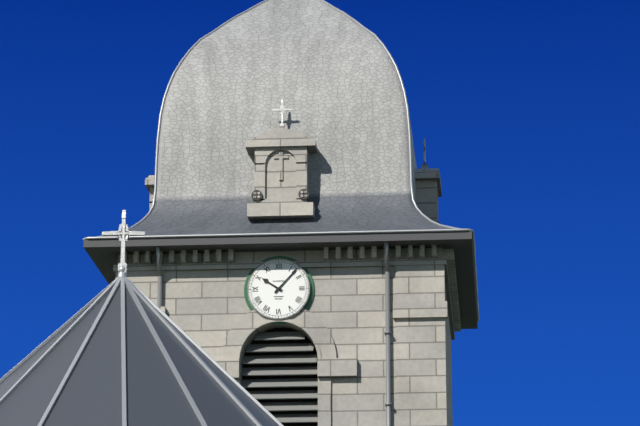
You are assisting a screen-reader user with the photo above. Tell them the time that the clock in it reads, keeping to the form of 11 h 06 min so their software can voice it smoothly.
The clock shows 10 h 07 min
